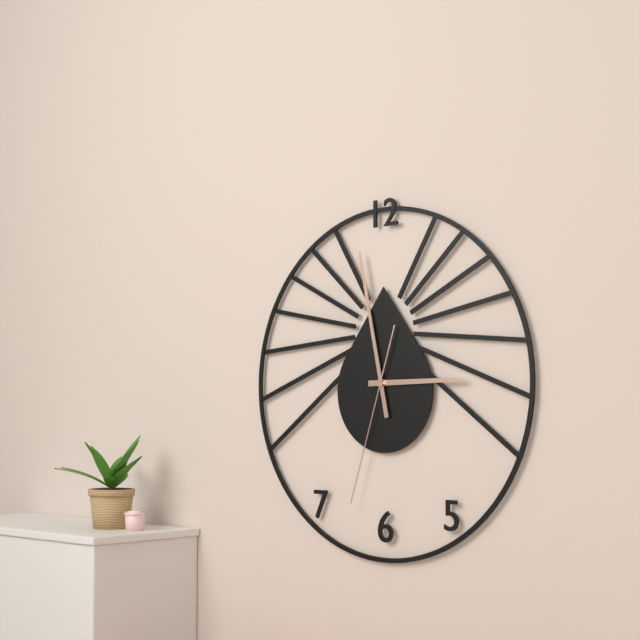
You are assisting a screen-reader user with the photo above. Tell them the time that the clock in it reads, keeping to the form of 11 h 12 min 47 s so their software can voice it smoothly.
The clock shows 2 h 58 min 33 s
